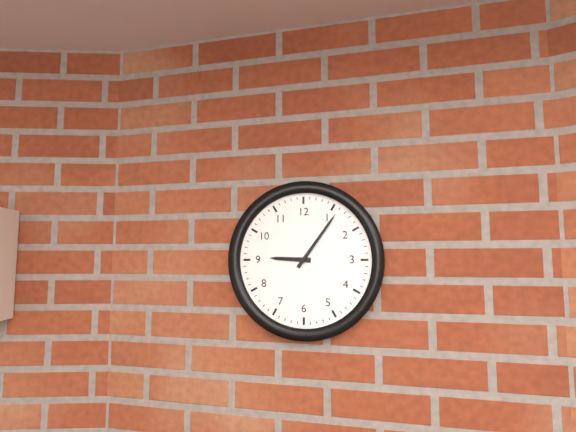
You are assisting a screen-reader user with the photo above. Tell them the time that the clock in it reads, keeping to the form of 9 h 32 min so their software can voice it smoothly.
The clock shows 9 h 06 min
